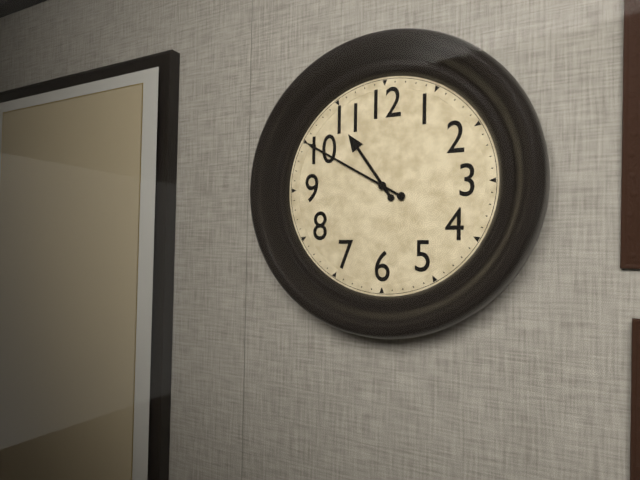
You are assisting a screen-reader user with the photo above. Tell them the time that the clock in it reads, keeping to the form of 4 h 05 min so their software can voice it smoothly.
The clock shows 10 h 50 min
